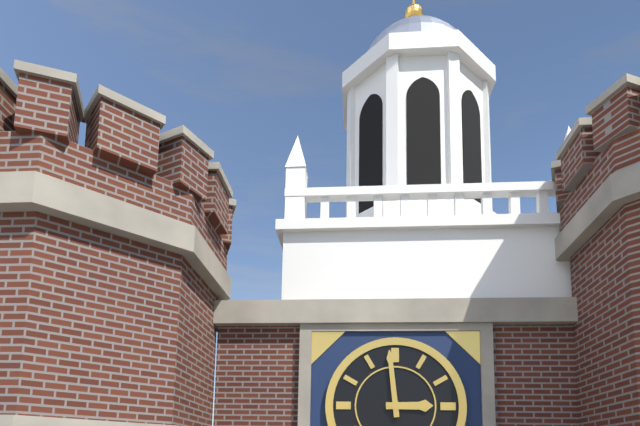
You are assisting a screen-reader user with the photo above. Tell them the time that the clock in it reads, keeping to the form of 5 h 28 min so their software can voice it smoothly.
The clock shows 2 h 59 min
